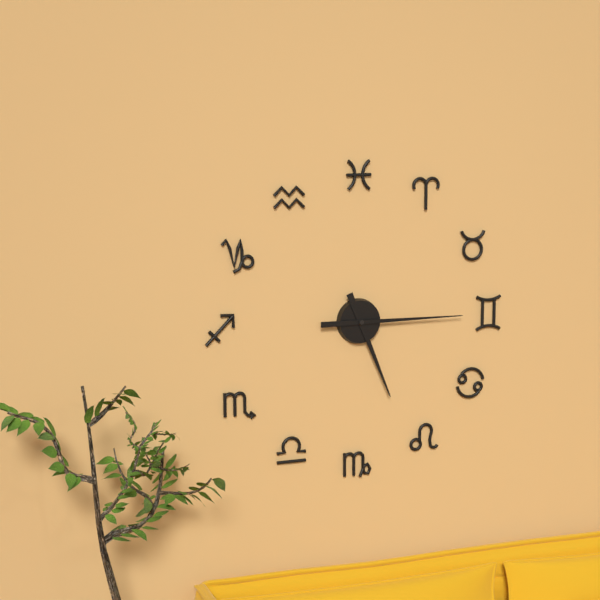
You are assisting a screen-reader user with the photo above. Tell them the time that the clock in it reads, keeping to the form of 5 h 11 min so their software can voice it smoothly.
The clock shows 5 h 15 min
